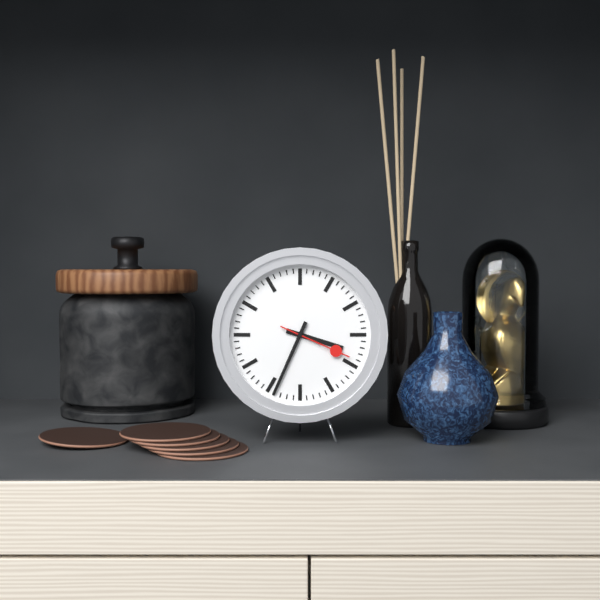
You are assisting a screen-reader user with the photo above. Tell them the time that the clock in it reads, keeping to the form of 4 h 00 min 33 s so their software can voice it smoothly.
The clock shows 3 h 34 min 19 s
